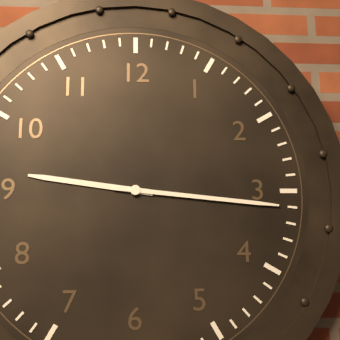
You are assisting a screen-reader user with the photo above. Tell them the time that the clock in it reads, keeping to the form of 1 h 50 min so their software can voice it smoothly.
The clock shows 9 h 16 min
